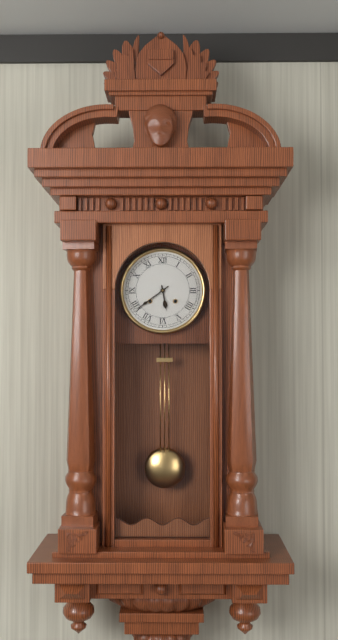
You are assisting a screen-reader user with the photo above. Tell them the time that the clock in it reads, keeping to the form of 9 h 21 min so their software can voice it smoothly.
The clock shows 5 h 39 min
